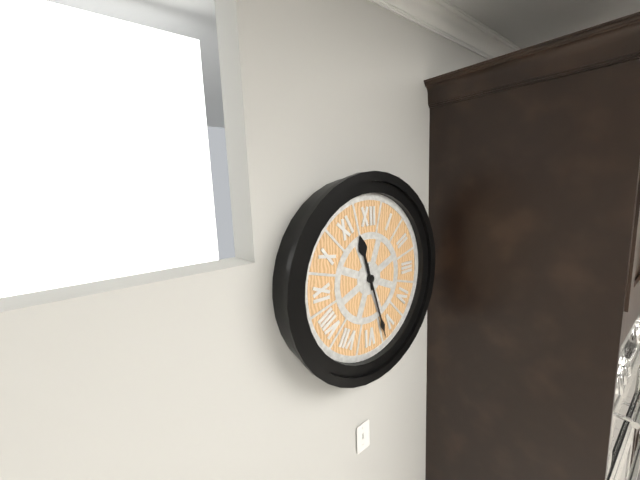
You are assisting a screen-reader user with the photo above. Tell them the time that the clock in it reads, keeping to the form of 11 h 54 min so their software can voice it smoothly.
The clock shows 11 h 27 min
